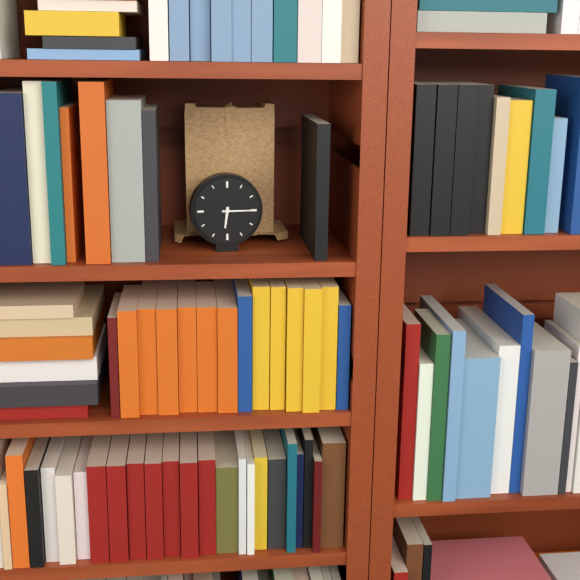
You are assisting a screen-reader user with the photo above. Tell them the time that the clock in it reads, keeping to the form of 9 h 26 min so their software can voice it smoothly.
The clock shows 6 h 15 min
